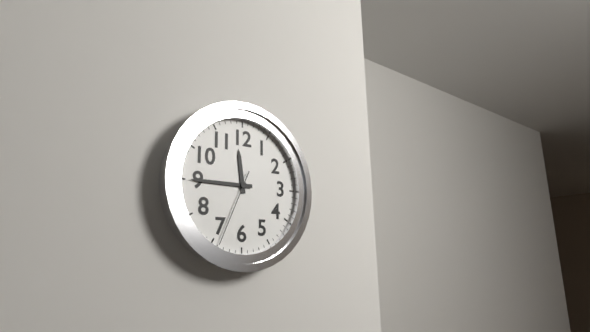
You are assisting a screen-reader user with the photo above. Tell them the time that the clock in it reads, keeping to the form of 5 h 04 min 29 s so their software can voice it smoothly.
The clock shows 11 h 45 min 34 s
